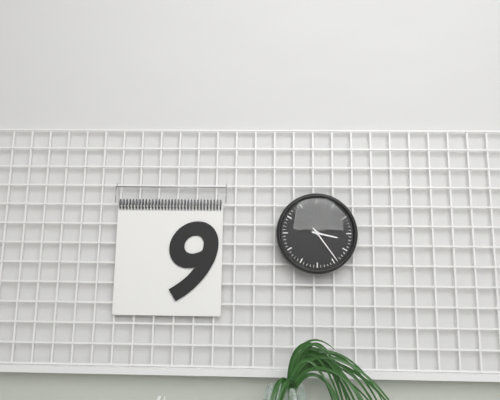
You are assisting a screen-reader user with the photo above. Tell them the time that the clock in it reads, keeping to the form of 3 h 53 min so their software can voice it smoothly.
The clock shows 3 h 24 min
